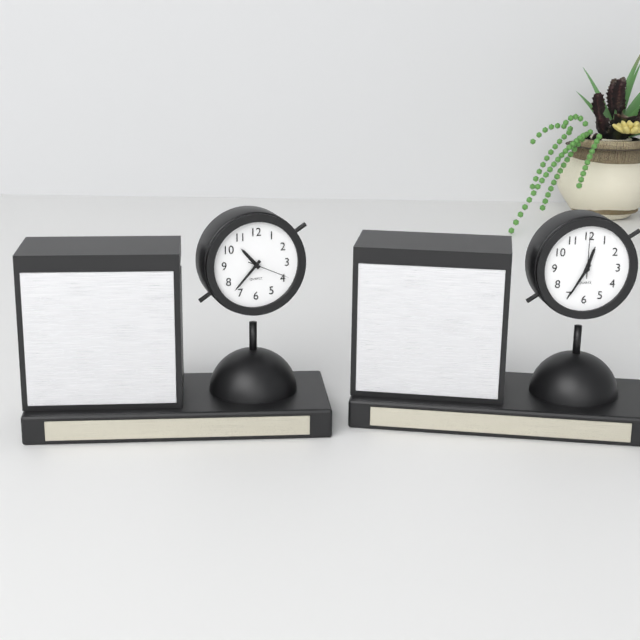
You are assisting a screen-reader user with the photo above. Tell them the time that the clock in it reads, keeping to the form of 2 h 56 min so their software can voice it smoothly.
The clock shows 10 h 37 min
